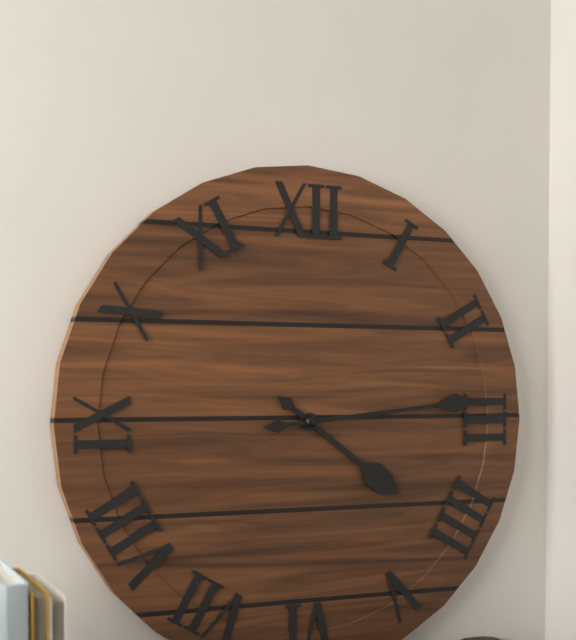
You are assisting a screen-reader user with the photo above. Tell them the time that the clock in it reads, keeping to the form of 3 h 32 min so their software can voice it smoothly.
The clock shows 4 h 14 min
